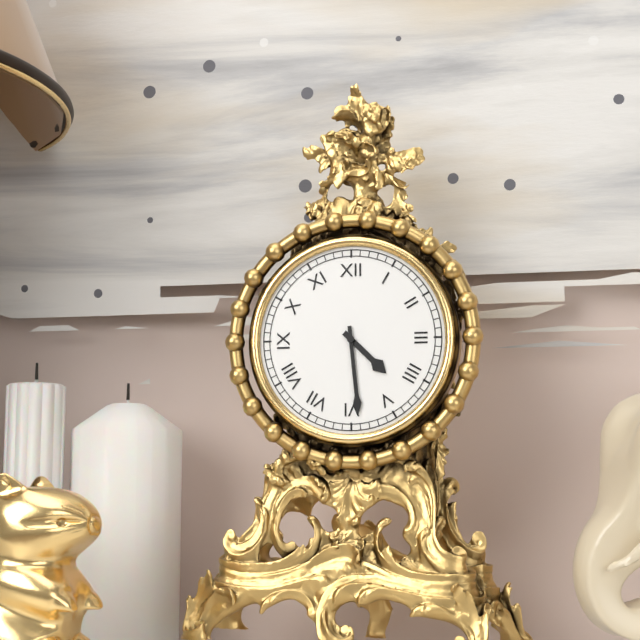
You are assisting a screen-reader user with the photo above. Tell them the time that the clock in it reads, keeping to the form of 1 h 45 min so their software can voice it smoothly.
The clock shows 4 h 29 min
